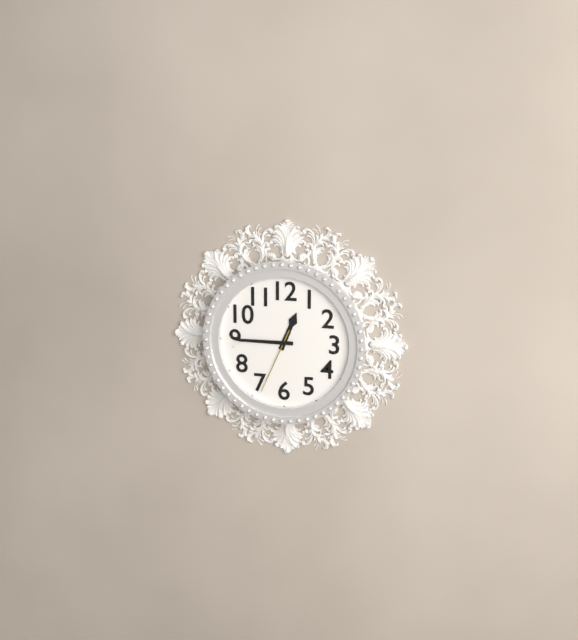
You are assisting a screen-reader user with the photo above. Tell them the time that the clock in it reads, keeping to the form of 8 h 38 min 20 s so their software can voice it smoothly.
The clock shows 12 h 45 min 34 s
